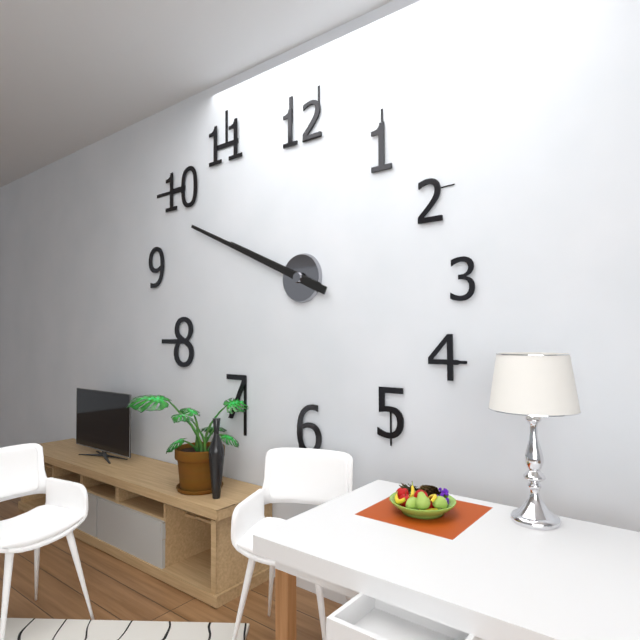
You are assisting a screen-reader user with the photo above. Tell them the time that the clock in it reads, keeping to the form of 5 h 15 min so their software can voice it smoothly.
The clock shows 9 h 49 min
